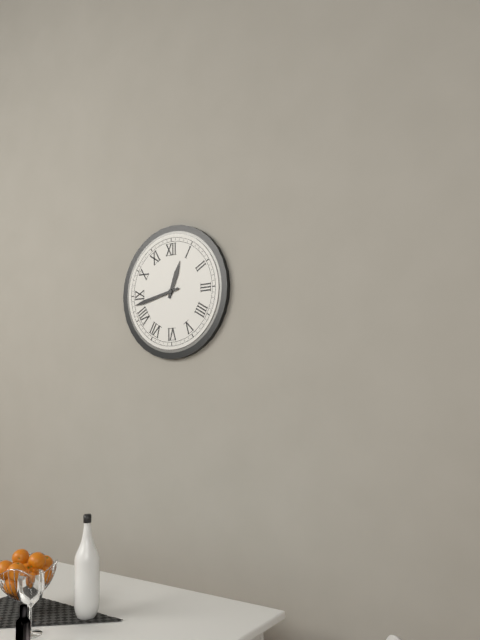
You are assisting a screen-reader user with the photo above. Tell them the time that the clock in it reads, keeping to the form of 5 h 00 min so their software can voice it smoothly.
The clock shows 12 h 43 min
